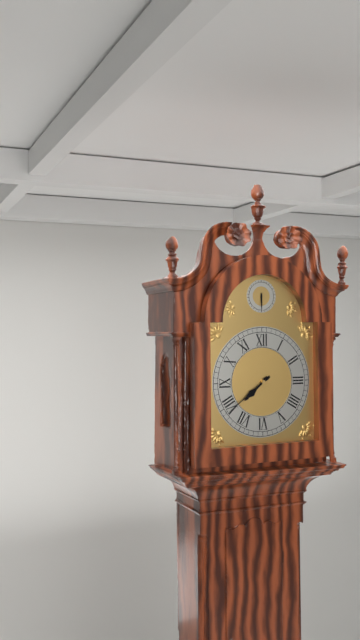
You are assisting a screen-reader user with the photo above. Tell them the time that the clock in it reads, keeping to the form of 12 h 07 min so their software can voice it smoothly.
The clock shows 7 h 39 min
